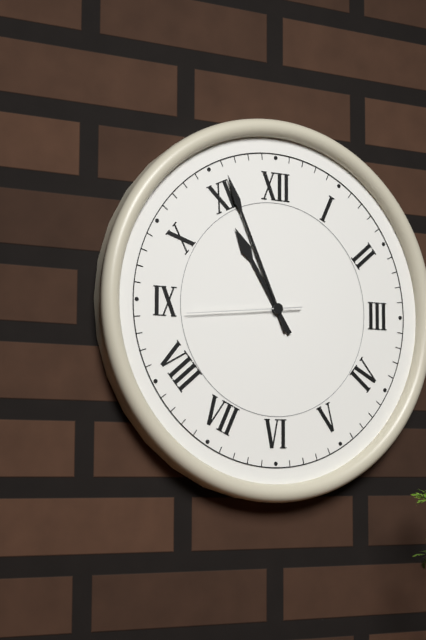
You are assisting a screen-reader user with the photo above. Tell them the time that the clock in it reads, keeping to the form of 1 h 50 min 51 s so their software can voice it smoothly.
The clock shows 10 h 56 min 44 s
